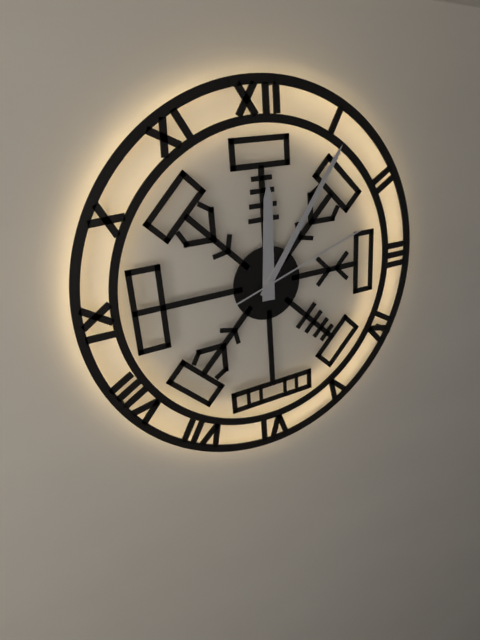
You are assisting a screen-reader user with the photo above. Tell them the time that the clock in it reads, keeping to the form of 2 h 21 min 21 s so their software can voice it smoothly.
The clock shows 12 h 06 min 12 s
